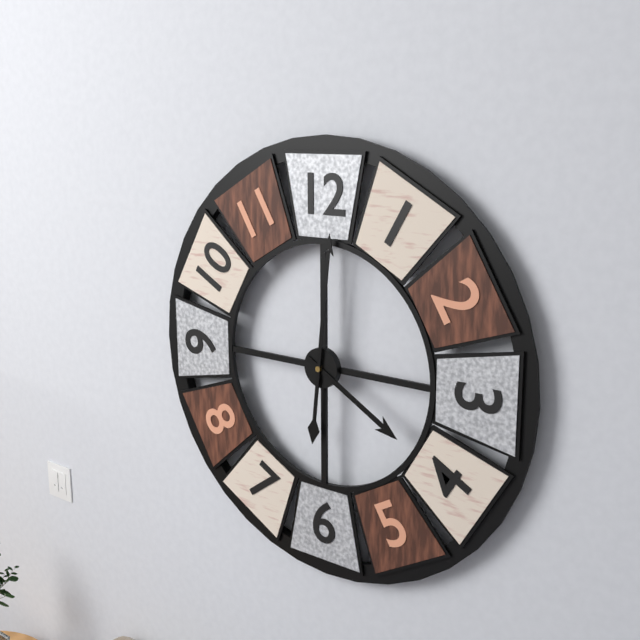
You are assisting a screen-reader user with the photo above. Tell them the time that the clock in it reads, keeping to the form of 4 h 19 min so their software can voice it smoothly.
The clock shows 4 h 01 min
